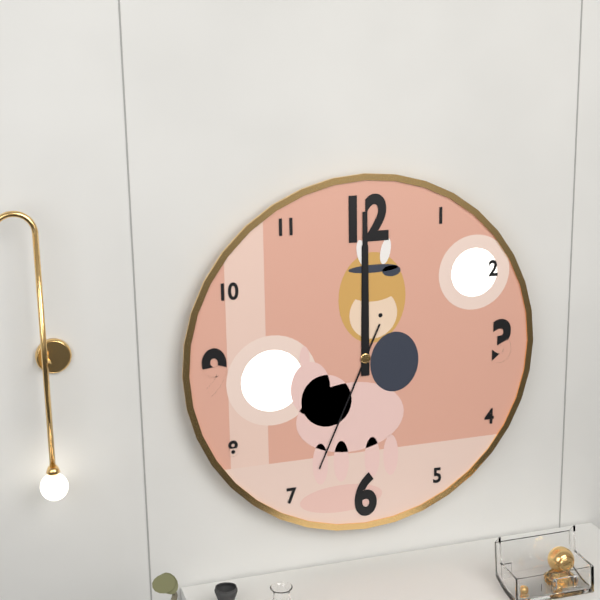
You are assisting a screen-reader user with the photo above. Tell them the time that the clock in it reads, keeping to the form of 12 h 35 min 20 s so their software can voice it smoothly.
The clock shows 12 h 00 min 34 s
